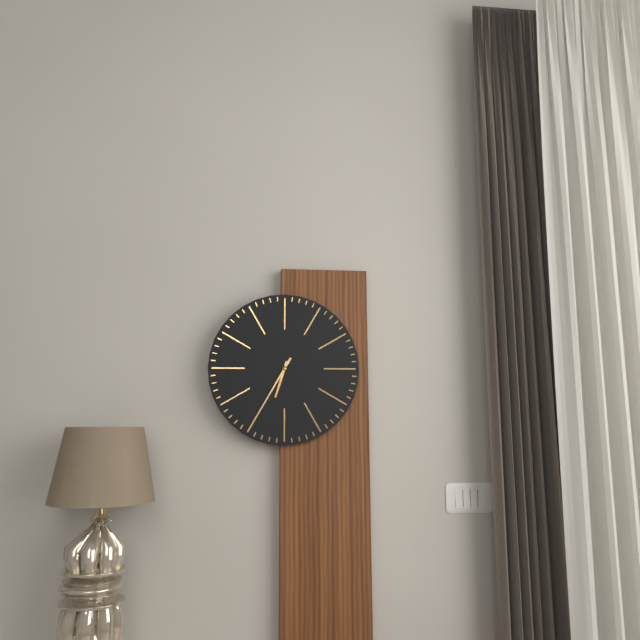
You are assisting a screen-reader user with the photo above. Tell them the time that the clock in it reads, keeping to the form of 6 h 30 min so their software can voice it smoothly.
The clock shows 6 h 35 min
